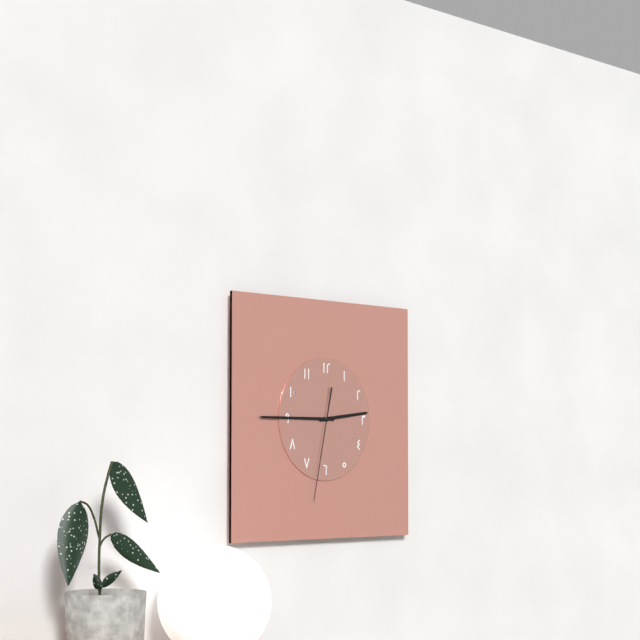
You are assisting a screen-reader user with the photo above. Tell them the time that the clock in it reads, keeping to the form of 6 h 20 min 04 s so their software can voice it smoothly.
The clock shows 2 h 45 min 32 s
